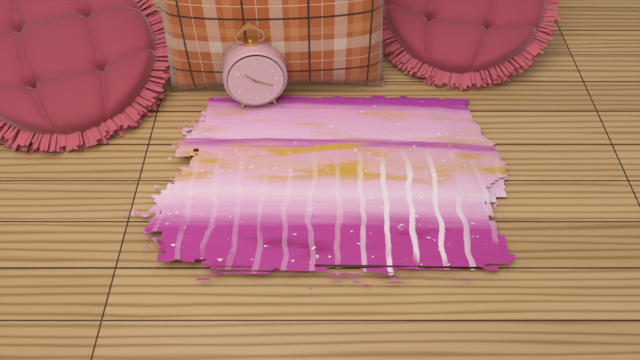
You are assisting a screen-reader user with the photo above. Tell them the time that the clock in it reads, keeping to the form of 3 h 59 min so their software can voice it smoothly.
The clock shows 10 h 19 min
